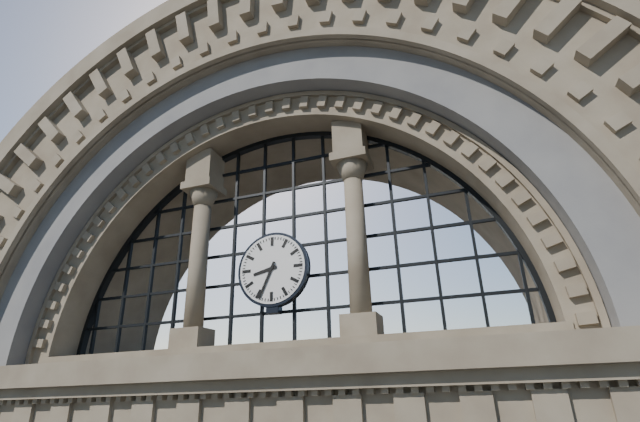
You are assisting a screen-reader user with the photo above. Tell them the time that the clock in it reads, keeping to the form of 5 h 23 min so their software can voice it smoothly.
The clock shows 8 h 34 min
